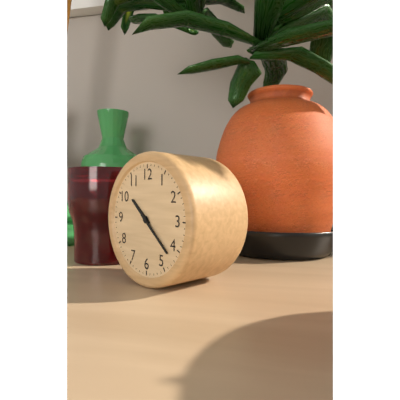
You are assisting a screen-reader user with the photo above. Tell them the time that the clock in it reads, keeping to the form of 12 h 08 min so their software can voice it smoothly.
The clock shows 10 h 22 min
